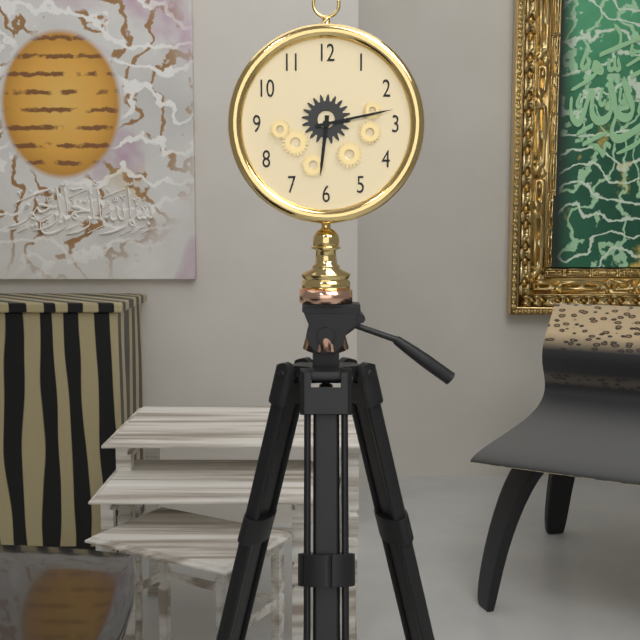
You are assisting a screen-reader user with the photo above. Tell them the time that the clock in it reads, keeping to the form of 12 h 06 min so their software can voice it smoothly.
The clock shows 6 h 13 min
